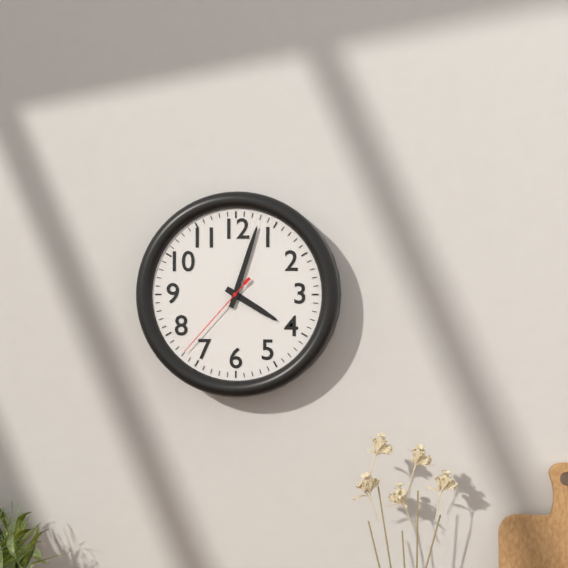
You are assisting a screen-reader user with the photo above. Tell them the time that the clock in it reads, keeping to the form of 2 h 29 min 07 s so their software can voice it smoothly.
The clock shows 4 h 03 min 37 s
